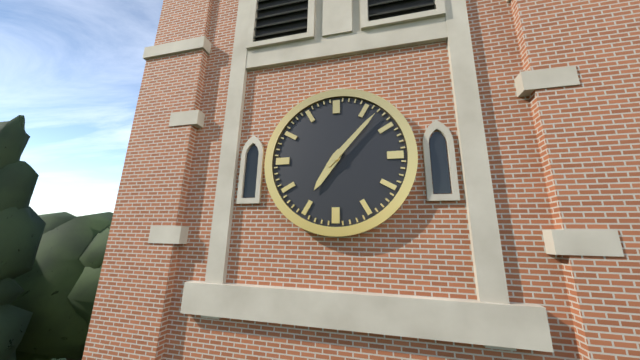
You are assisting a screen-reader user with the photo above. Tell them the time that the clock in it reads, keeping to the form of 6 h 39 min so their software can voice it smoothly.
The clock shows 7 h 07 min
